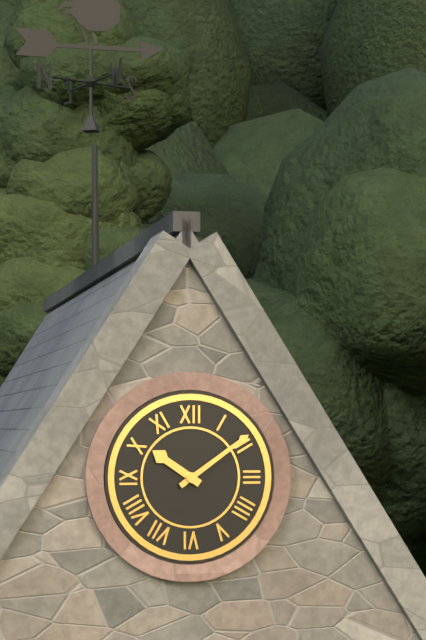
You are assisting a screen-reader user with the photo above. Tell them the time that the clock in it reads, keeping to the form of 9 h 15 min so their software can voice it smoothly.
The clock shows 10 h 09 min
